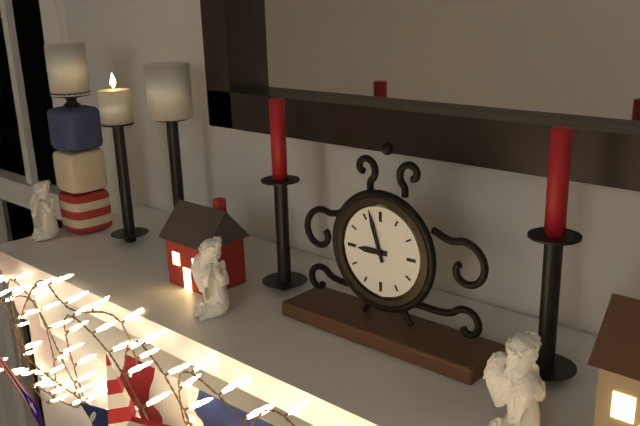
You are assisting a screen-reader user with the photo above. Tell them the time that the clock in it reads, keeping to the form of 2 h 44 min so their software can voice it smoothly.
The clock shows 8 h 57 min
